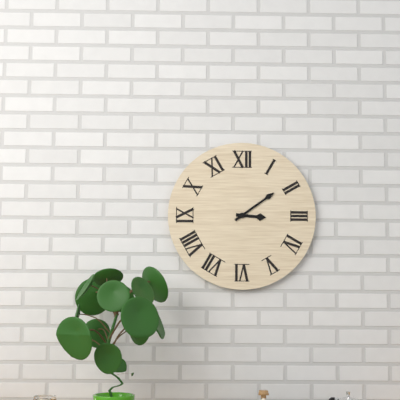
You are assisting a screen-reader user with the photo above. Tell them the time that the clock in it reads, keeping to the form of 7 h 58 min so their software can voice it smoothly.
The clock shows 3 h 09 min
